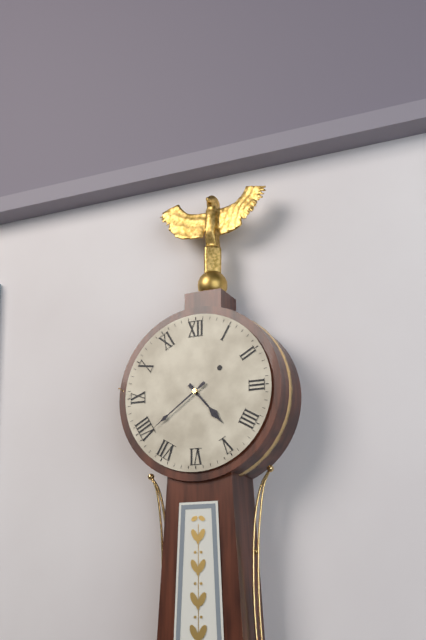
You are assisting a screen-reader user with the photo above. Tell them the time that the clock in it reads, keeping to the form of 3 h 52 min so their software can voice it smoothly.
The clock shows 4 h 39 min
